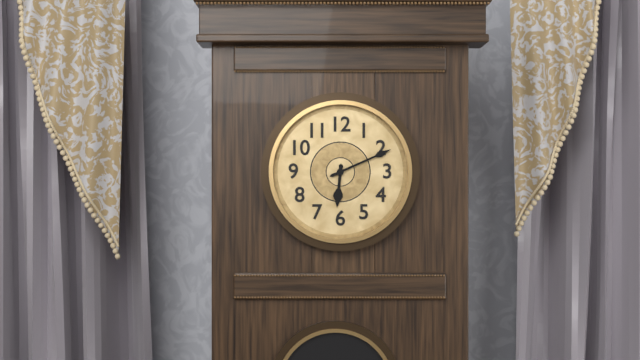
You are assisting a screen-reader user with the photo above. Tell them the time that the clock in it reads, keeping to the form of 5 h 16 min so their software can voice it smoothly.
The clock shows 6 h 11 min
